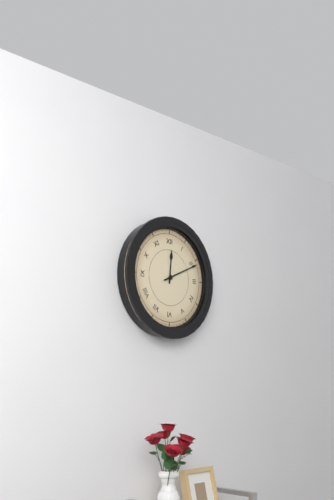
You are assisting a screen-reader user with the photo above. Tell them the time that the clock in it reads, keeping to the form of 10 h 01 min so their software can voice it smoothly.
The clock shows 12 h 11 min
